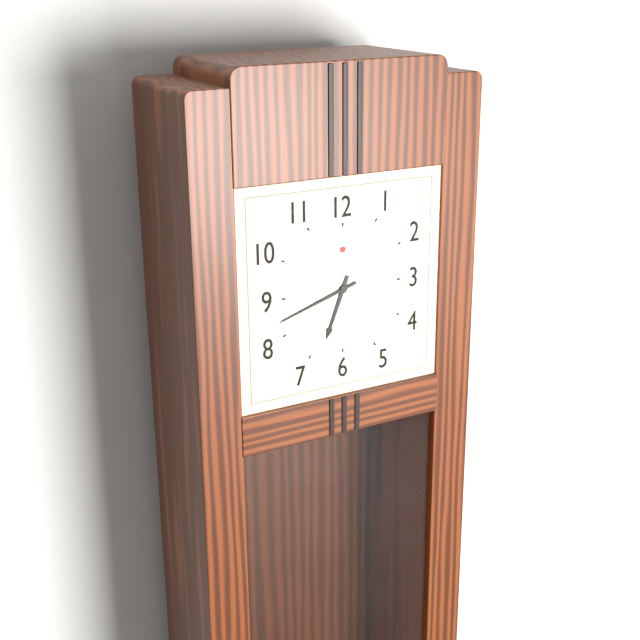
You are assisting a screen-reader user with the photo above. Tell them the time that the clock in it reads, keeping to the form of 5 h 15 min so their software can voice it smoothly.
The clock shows 6 h 42 min
